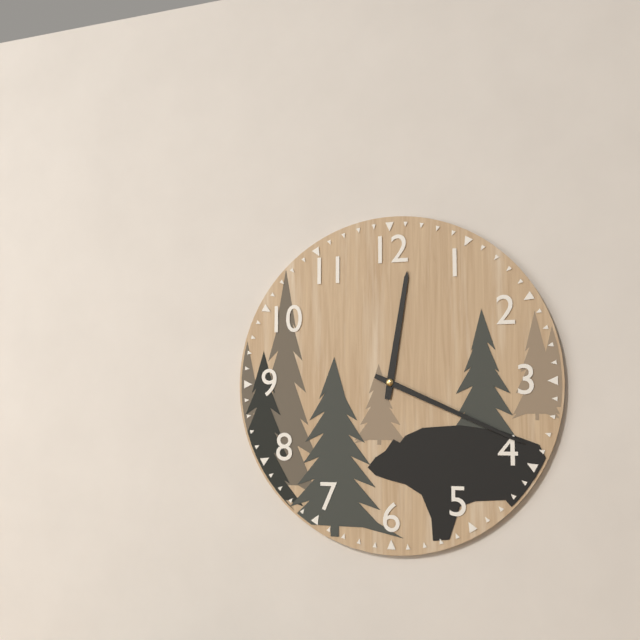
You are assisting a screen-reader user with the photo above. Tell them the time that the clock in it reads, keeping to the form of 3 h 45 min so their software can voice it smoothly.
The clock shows 12 h 19 min
